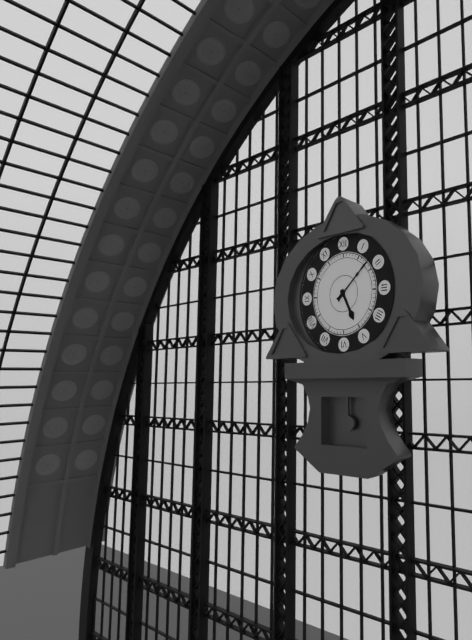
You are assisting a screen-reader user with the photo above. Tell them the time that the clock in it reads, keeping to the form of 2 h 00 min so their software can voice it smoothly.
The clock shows 5 h 08 min
